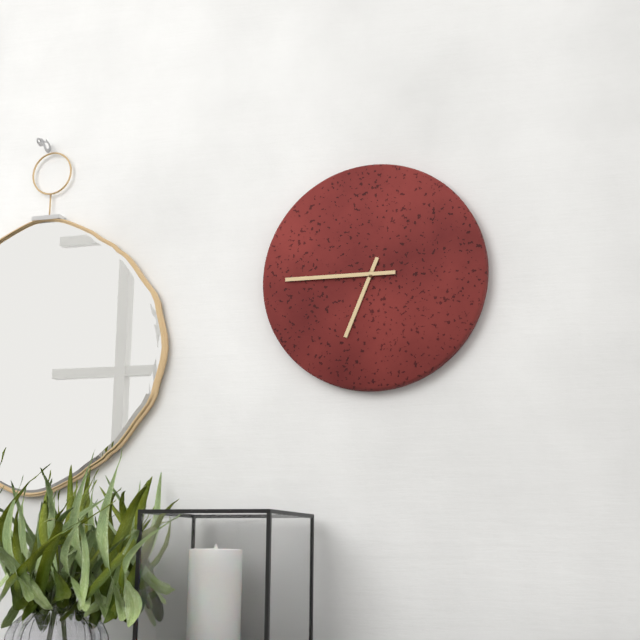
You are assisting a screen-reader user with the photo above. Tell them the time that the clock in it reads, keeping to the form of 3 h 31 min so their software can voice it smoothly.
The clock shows 6 h 45 min
